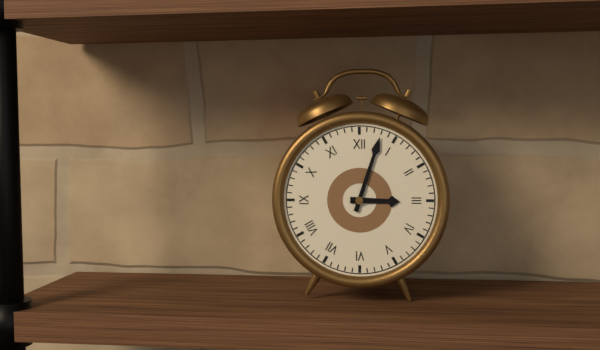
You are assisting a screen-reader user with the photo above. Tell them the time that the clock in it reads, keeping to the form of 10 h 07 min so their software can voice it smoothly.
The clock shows 3 h 03 min
